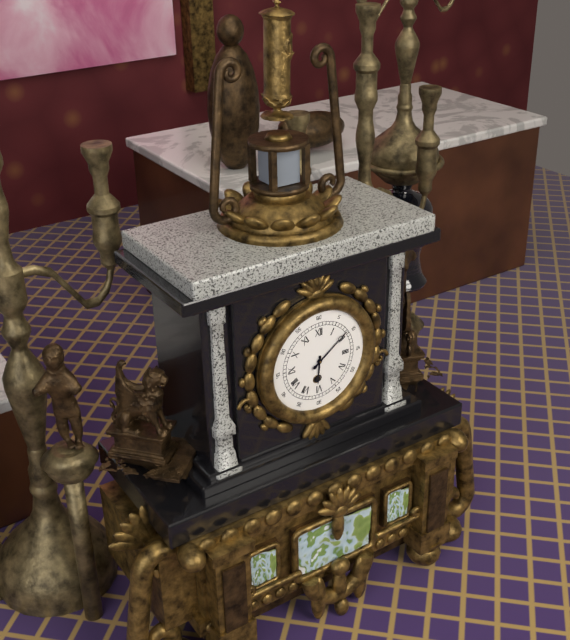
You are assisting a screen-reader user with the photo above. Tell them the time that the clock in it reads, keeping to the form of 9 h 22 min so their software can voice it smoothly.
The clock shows 6 h 09 min
